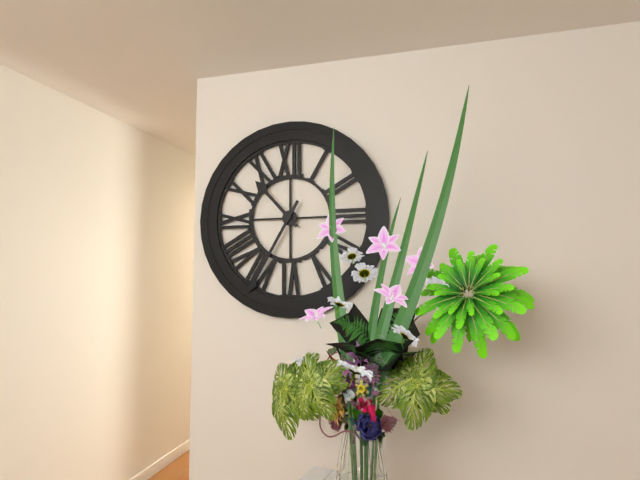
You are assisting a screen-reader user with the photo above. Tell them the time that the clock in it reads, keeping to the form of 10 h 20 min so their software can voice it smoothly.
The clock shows 10 h 35 min
